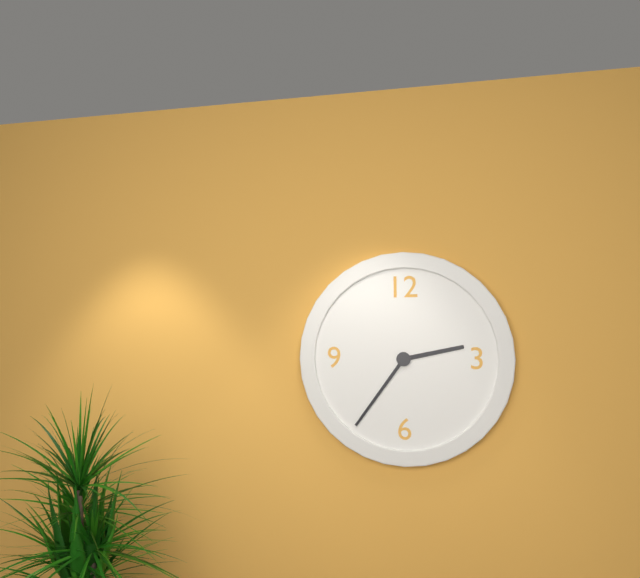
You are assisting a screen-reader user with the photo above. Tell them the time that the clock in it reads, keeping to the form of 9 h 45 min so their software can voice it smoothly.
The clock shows 2 h 36 min
